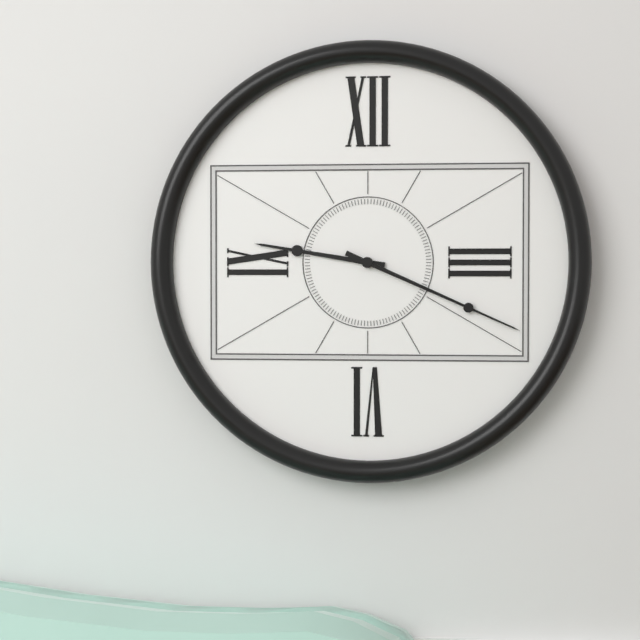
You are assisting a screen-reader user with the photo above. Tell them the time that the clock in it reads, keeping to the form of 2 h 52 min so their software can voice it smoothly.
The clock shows 9 h 19 min
